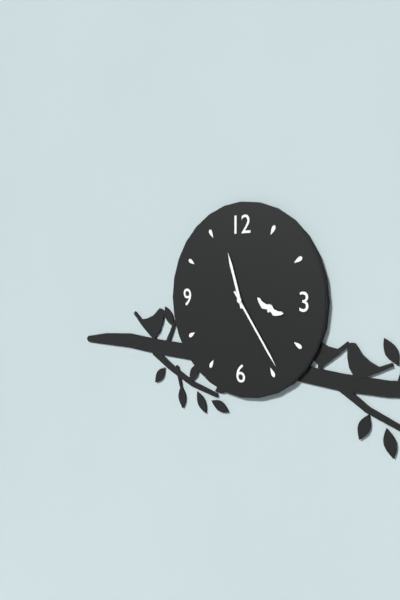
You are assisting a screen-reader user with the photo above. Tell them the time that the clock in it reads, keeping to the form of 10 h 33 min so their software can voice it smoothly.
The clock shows 11 h 24 min
